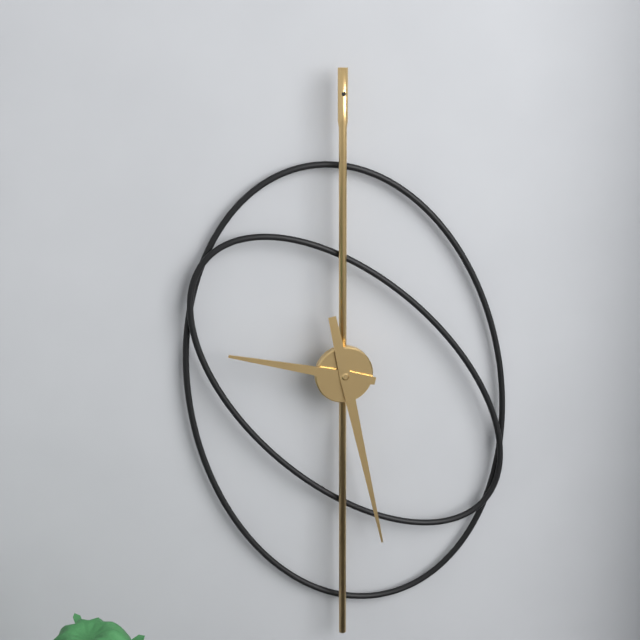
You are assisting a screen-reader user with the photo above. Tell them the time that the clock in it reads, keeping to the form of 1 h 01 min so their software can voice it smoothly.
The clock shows 9 h 28 min
